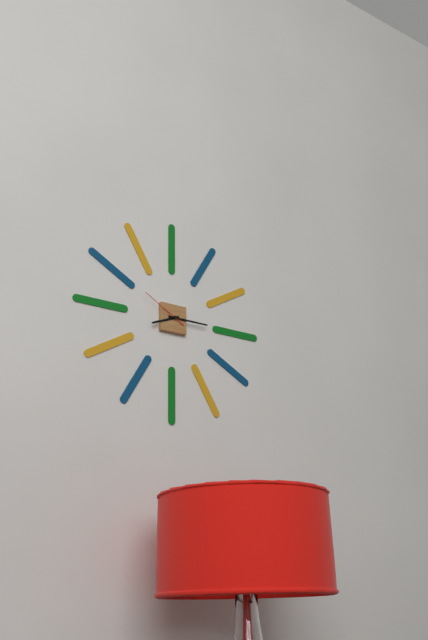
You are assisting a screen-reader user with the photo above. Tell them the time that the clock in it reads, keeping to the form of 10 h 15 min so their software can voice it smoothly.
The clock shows 8 h 15 min
